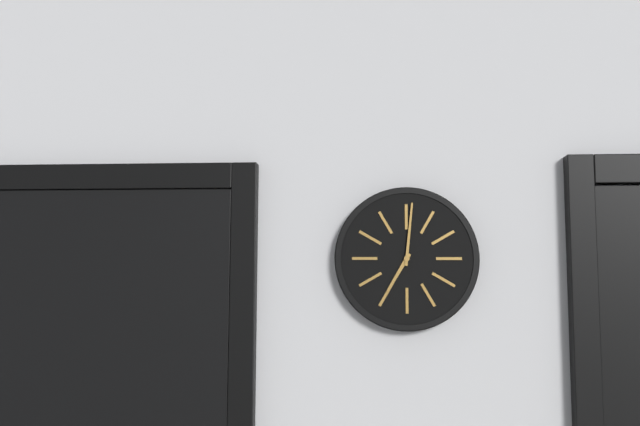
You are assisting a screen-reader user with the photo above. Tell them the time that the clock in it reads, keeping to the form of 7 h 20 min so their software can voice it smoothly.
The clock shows 7 h 01 min
